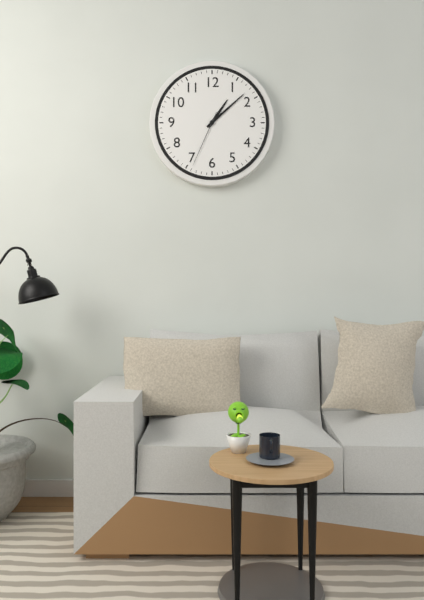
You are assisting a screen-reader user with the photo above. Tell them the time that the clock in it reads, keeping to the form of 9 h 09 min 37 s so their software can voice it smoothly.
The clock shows 1 h 08 min 34 s
